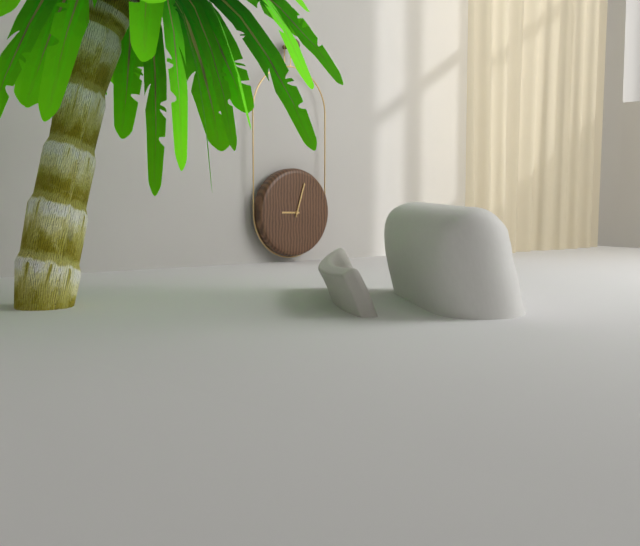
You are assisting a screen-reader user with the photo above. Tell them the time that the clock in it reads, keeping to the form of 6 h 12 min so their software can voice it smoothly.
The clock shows 9 h 03 min
